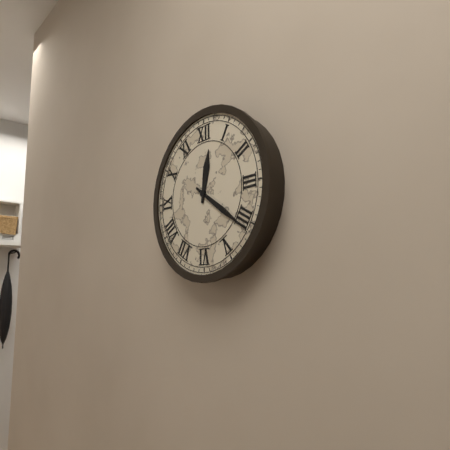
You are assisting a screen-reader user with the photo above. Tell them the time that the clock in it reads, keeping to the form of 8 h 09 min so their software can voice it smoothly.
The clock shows 12 h 21 min
